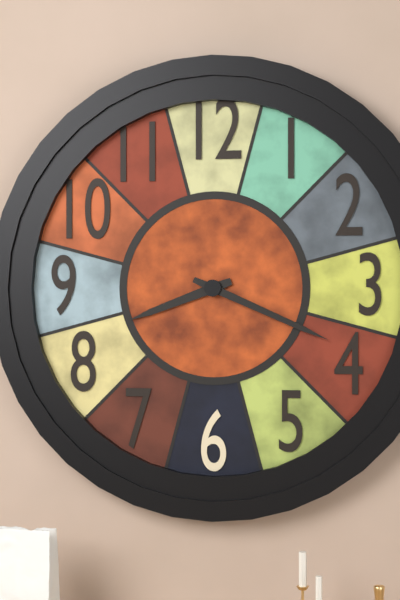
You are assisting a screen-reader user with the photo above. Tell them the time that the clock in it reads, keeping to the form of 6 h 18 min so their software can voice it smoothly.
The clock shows 8 h 19 min
